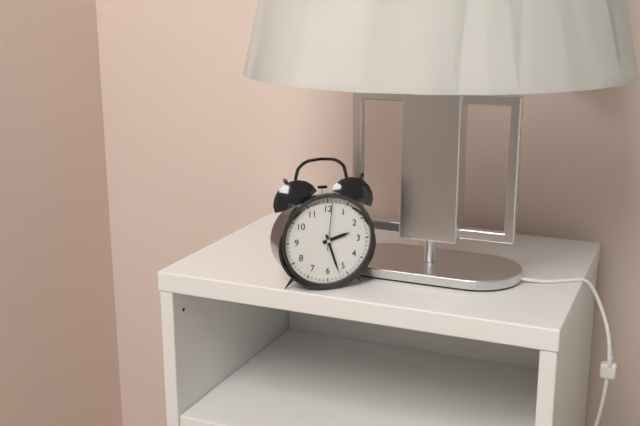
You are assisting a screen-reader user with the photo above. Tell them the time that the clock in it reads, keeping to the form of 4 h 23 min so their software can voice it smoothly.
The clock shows 2 h 27 min
